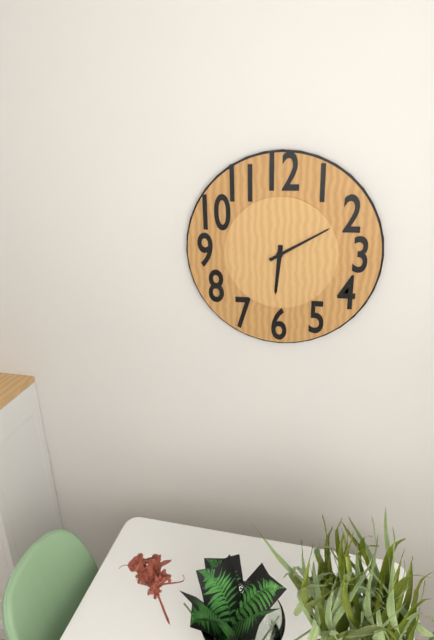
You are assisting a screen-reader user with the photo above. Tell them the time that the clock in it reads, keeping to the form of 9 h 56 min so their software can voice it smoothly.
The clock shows 6 h 10 min
